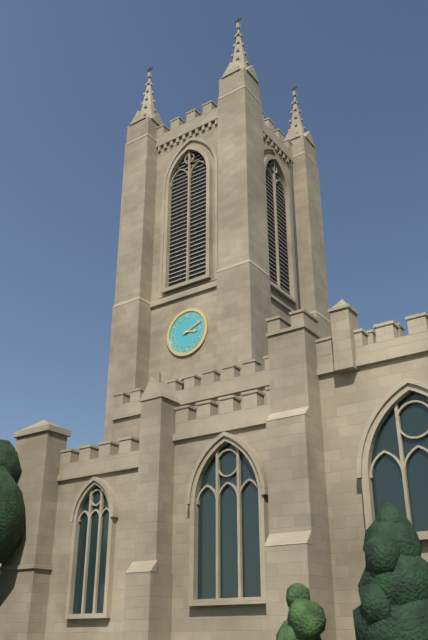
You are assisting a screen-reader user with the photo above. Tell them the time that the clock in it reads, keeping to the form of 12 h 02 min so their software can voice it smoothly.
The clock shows 3 h 11 min
